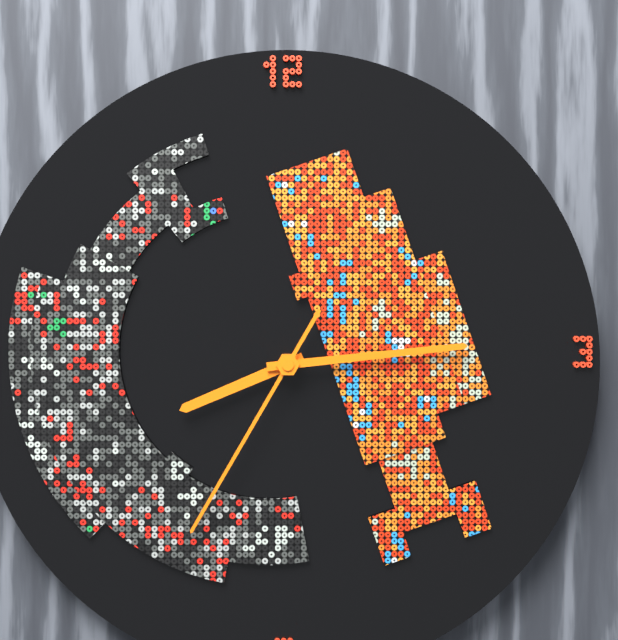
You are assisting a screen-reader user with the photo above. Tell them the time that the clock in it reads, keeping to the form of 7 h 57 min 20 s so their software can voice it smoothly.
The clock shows 8 h 14 min 35 s
